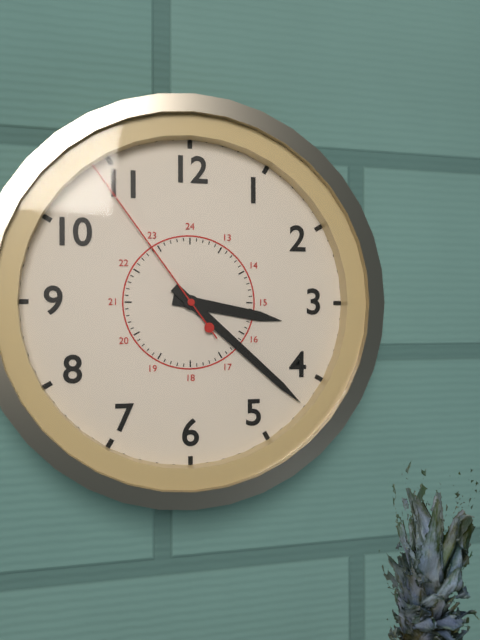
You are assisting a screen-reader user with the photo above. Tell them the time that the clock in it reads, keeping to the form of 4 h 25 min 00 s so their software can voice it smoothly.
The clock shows 3 h 22 min 54 s
